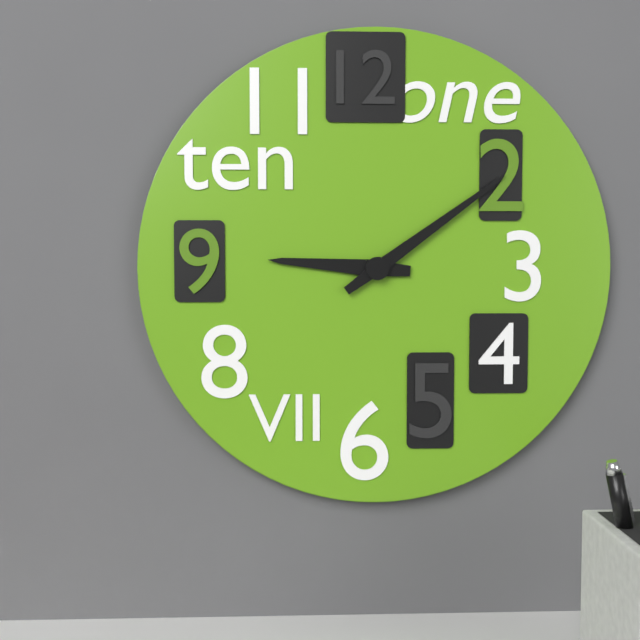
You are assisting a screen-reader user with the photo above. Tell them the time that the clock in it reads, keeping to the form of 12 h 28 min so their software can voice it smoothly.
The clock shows 9 h 09 min
